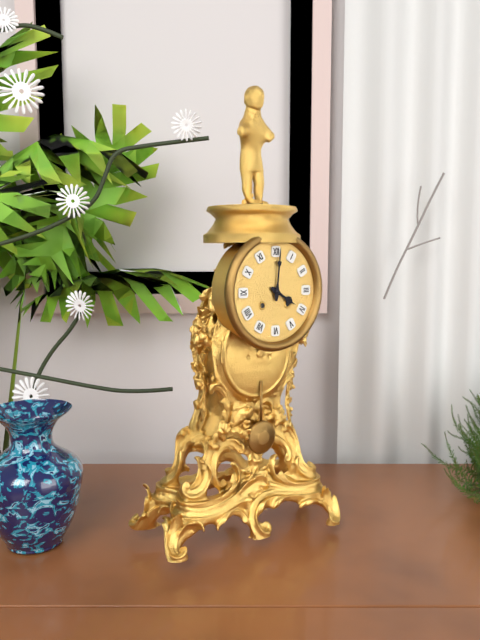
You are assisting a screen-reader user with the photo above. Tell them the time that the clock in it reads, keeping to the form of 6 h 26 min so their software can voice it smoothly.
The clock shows 4 h 01 min
